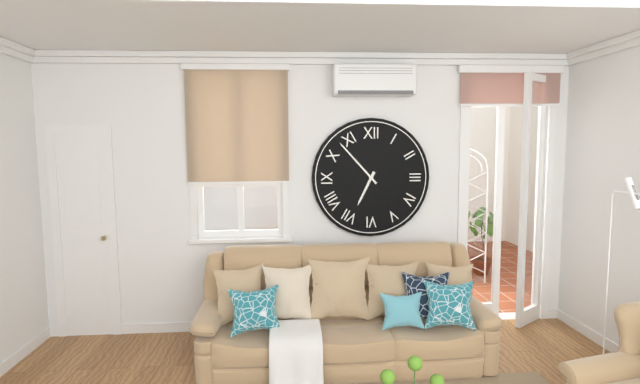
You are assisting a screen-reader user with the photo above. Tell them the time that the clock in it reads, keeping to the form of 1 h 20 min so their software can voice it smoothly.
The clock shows 6 h 53 min
